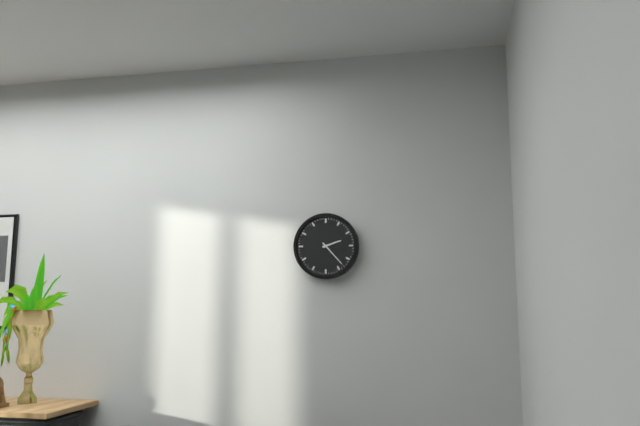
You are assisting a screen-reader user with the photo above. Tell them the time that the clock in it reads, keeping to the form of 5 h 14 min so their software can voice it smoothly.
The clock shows 2 h 23 min
